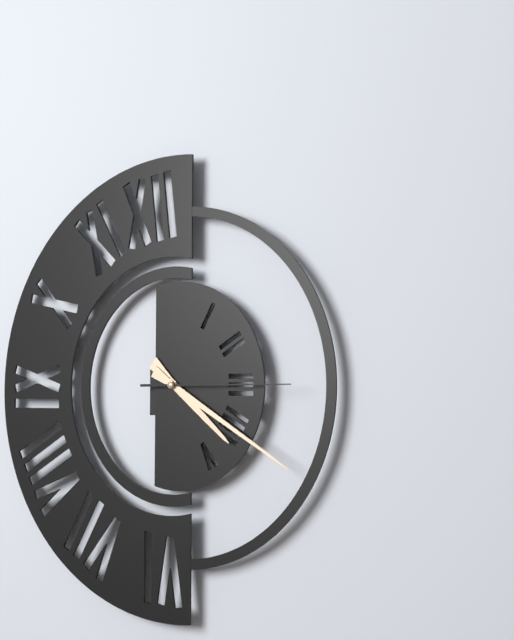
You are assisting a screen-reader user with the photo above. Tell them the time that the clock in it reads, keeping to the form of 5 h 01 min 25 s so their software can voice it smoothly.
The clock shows 4 h 20 min 15 s
